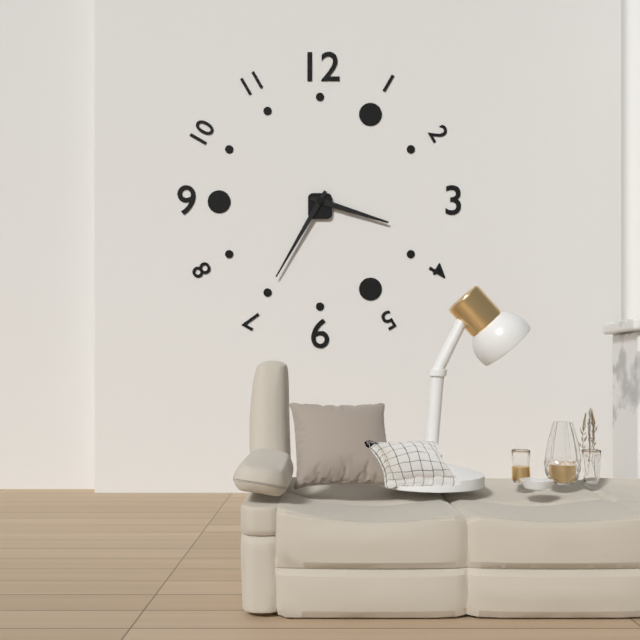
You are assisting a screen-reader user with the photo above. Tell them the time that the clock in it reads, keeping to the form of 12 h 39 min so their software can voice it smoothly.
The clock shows 3 h 35 min
